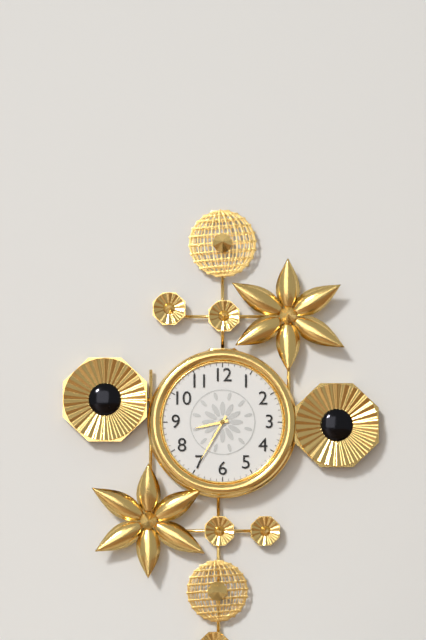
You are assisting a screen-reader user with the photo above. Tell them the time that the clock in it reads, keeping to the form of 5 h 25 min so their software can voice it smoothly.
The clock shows 8 h 35 min
